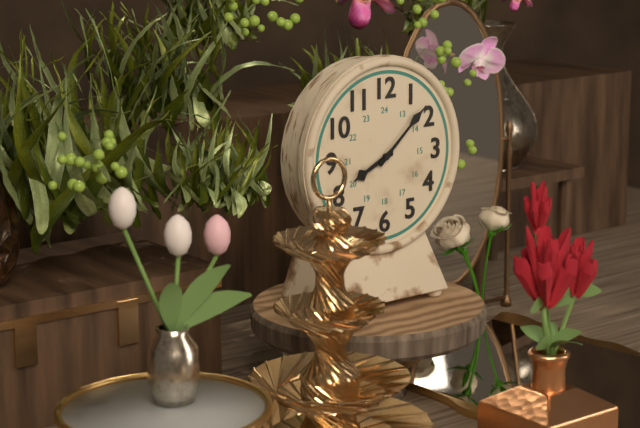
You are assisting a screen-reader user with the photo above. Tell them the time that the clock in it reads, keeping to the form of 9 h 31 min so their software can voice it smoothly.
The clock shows 8 h 08 min
